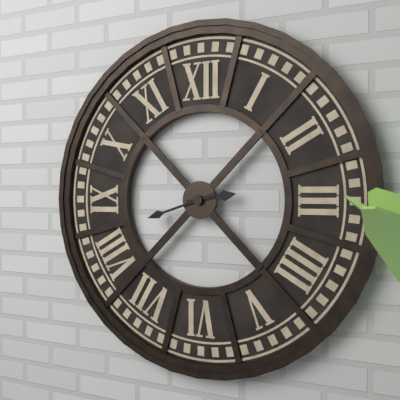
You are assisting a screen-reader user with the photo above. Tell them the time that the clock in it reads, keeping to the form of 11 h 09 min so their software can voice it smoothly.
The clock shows 2 h 42 min
